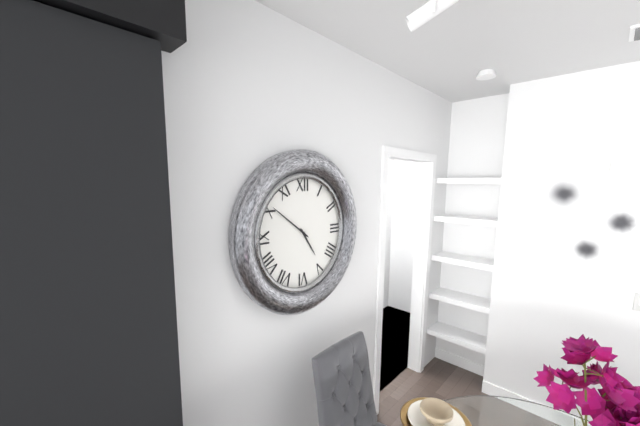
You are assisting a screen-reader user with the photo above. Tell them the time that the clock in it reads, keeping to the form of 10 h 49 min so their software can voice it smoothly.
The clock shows 4 h 51 min
